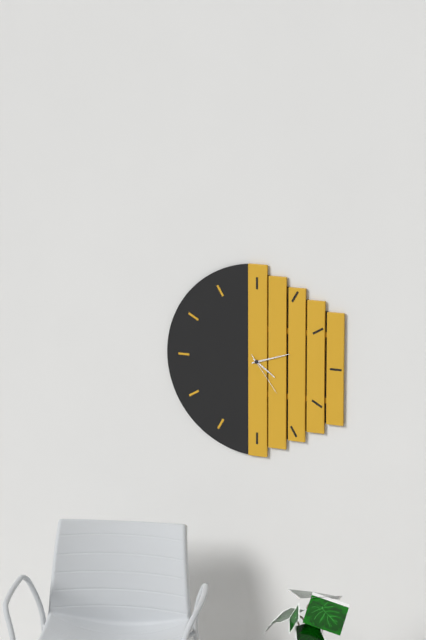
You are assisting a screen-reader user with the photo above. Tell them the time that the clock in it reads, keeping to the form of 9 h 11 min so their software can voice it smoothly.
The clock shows 4 h 12 min
